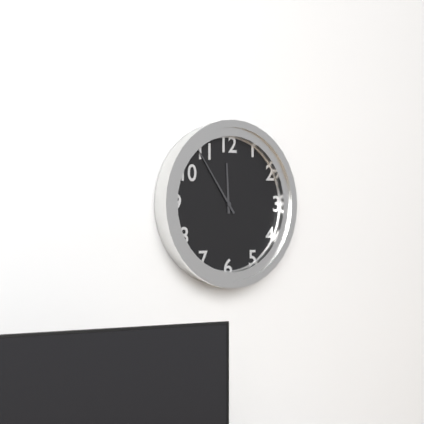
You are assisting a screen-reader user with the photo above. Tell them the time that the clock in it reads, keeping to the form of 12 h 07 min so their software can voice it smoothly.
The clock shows 11 h 54 min
